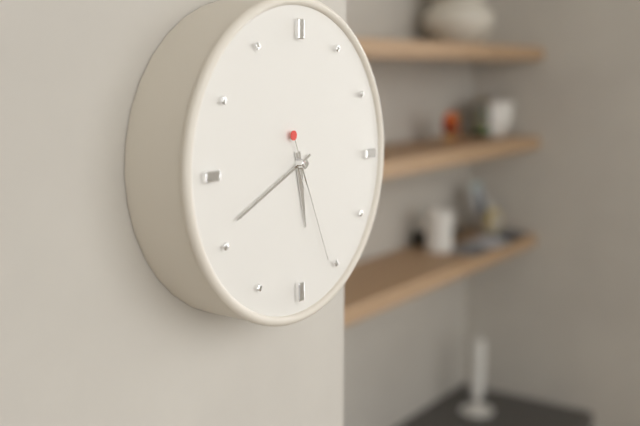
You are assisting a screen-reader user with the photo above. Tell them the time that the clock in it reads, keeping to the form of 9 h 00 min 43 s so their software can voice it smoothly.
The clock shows 5 h 41 min 26 s
